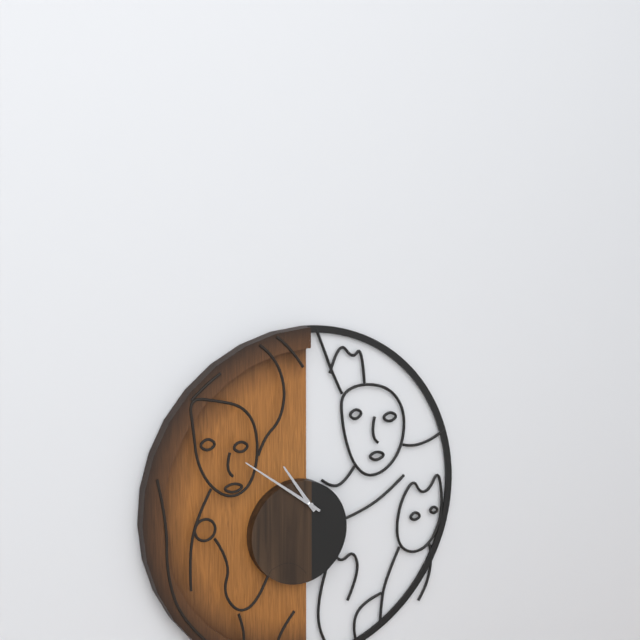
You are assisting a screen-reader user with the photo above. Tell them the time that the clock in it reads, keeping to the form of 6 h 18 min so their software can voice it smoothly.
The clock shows 10 h 51 min
